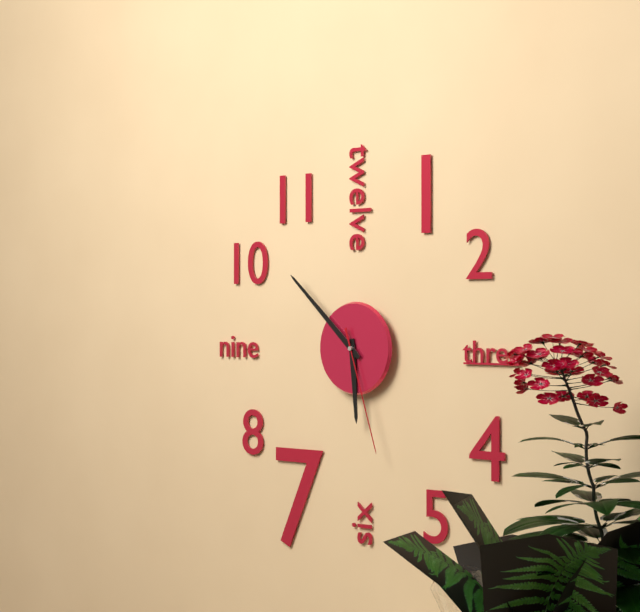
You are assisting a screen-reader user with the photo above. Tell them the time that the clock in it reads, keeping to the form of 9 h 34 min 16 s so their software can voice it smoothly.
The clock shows 5 h 52 min 27 s
